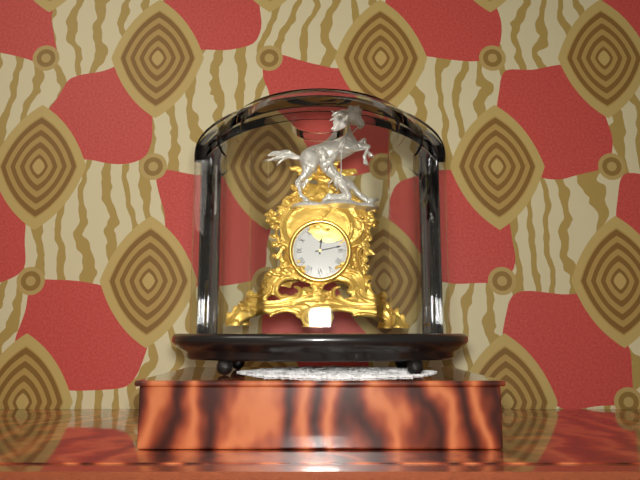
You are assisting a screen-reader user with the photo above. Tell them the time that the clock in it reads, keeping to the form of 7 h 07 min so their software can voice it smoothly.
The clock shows 12 h 13 min
